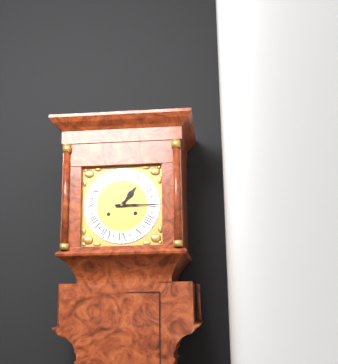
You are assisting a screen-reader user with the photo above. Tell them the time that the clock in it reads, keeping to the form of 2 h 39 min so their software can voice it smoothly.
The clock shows 1 h 15 min
